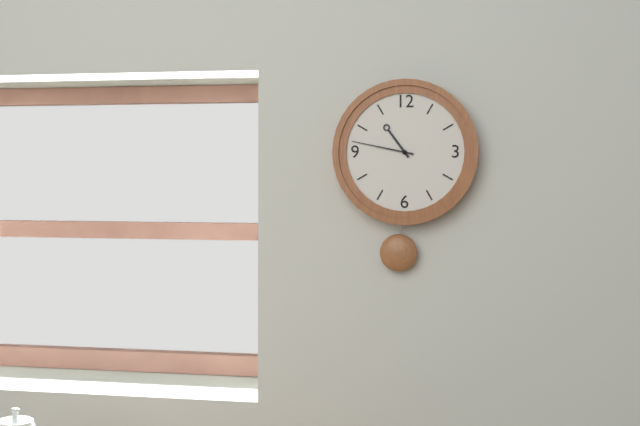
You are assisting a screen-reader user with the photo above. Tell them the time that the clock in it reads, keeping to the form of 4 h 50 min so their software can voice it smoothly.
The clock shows 10 h 47 min
